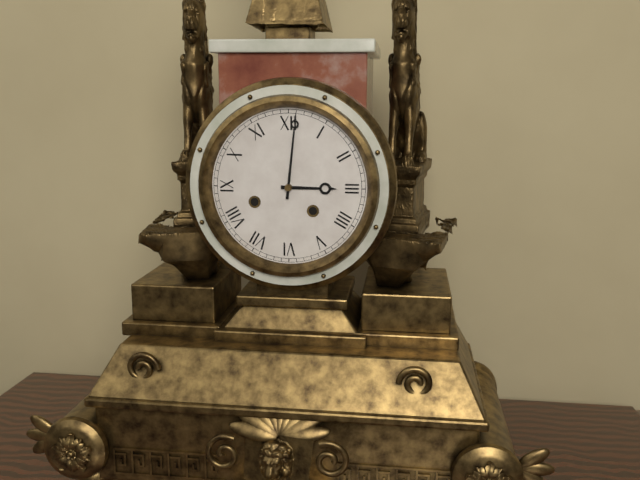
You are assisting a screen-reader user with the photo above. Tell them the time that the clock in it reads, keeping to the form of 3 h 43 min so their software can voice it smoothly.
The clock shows 3 h 01 min
